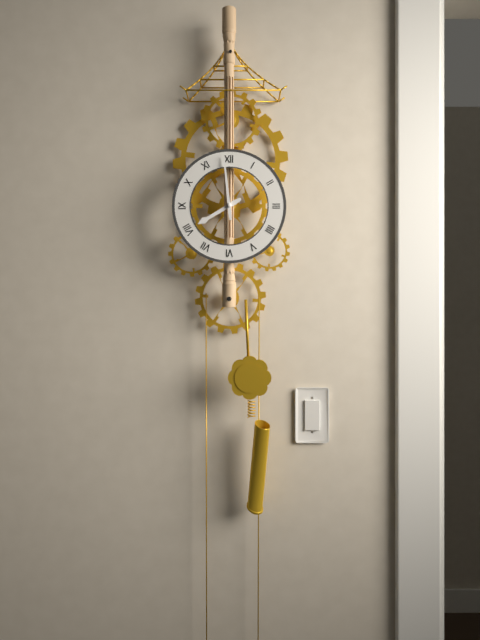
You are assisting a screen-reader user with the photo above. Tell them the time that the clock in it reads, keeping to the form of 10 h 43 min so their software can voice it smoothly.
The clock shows 7 h 59 min
